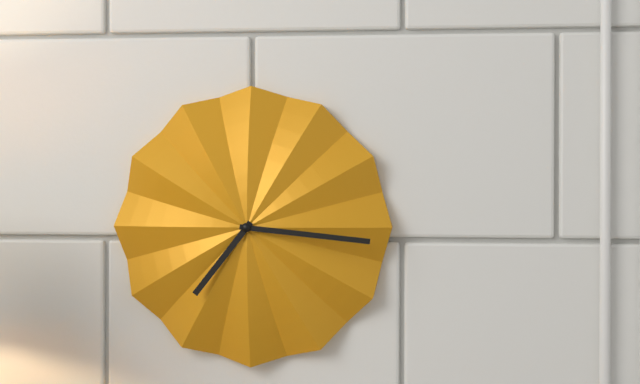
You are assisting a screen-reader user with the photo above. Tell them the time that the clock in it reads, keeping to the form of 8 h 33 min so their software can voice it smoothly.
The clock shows 7 h 16 min
